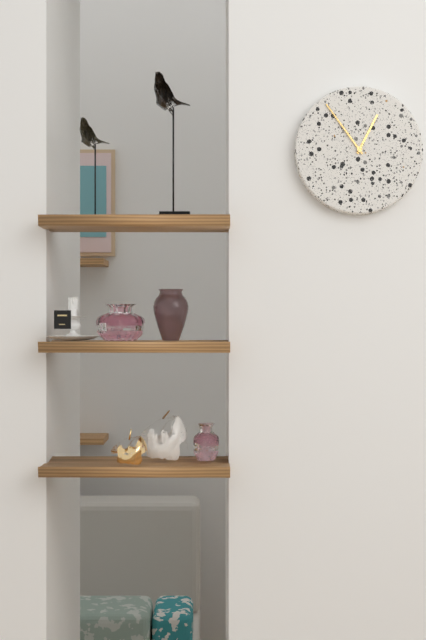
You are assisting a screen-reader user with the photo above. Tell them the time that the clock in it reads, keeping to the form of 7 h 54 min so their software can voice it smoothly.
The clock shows 12 h 54 min
